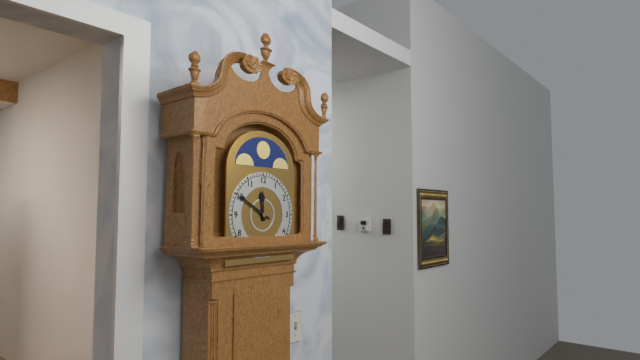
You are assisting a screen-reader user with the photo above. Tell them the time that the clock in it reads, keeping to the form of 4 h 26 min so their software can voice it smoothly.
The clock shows 11 h 50 min
